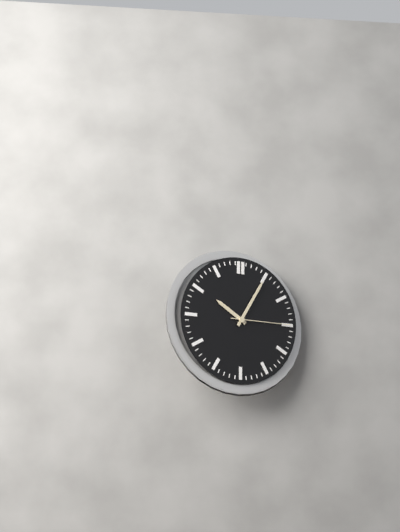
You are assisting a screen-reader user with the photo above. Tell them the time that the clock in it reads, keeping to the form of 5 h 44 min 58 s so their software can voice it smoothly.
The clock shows 10 h 05 min 15 s
